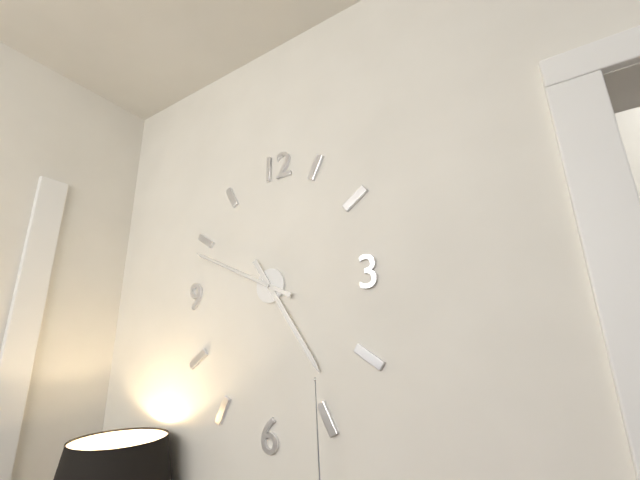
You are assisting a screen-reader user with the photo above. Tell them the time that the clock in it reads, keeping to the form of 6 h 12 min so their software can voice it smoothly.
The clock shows 4 h 49 min
